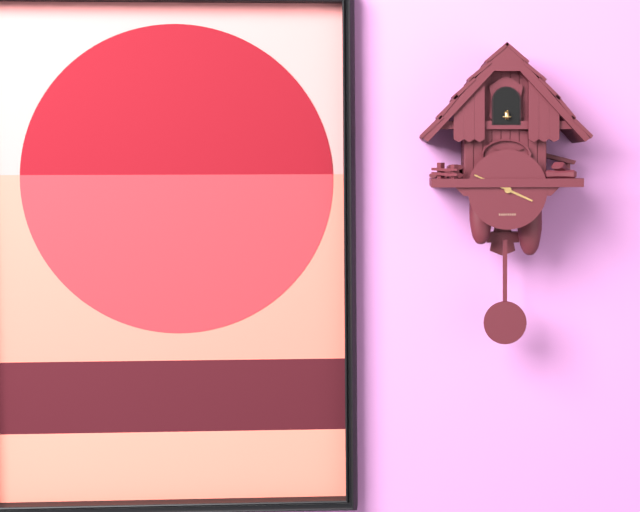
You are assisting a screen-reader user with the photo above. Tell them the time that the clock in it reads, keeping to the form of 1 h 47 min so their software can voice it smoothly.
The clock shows 3 h 49 min
